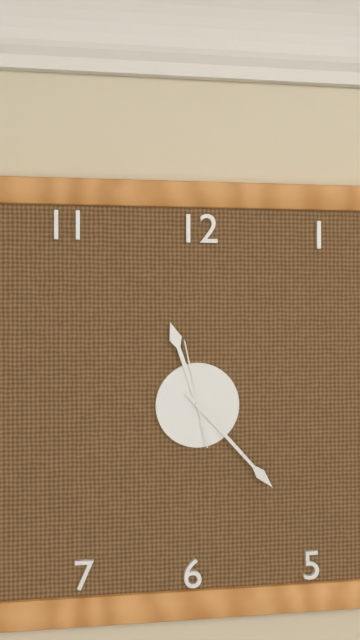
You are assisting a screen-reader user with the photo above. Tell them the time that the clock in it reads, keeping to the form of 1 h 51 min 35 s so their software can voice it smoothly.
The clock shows 11 h 23 min 58 s
